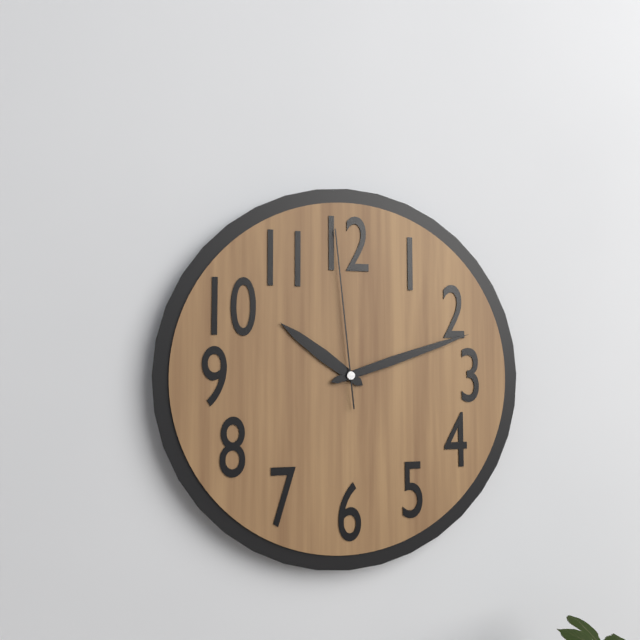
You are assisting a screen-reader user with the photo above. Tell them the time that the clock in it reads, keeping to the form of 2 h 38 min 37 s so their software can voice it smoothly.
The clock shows 10 h 12 min 59 s
